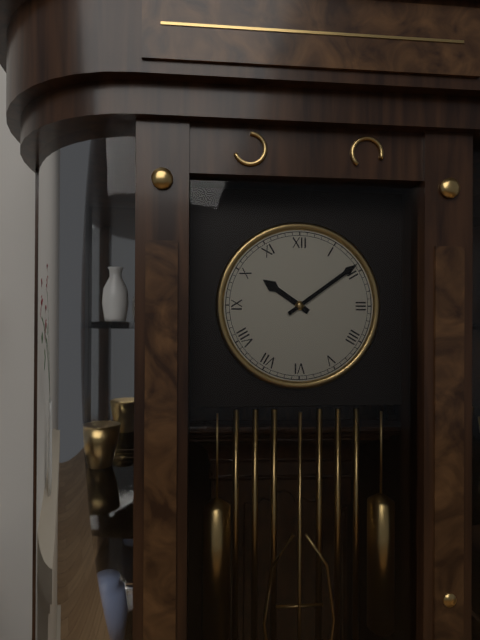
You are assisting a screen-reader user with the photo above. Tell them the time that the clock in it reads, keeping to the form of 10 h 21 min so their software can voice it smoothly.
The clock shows 10 h 09 min
